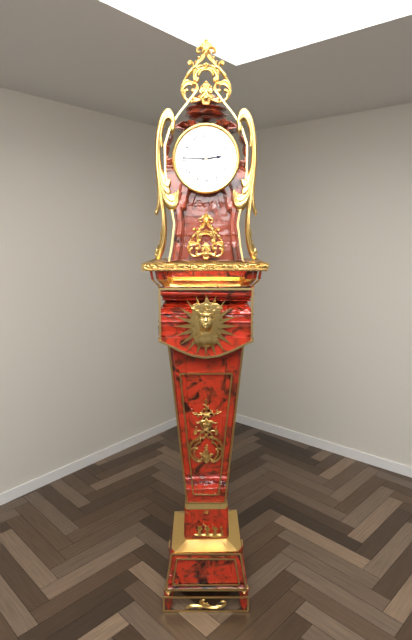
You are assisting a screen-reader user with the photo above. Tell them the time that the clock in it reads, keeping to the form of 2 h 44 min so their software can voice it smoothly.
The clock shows 2 h 45 min
